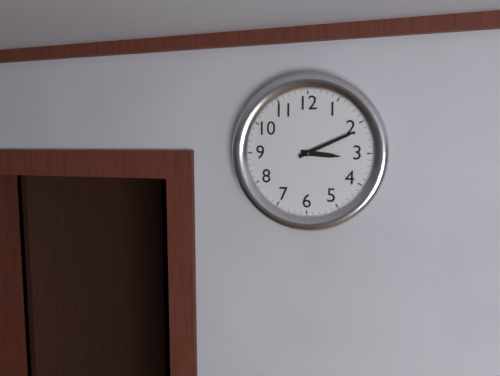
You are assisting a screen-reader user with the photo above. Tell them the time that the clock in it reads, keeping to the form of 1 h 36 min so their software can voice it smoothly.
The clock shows 3 h 11 min
